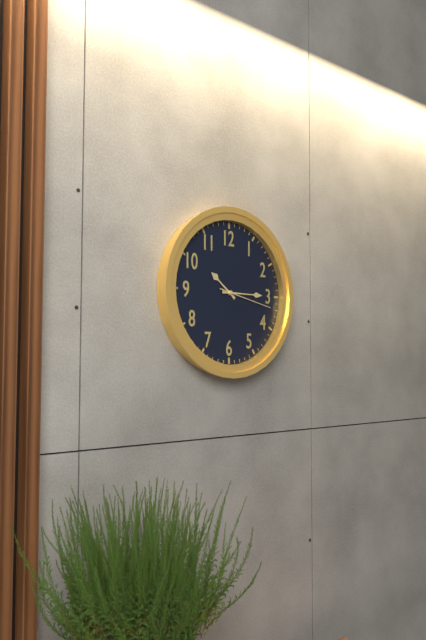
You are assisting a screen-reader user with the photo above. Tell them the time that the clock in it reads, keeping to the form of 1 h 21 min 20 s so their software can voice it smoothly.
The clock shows 10 h 15 min 17 s
